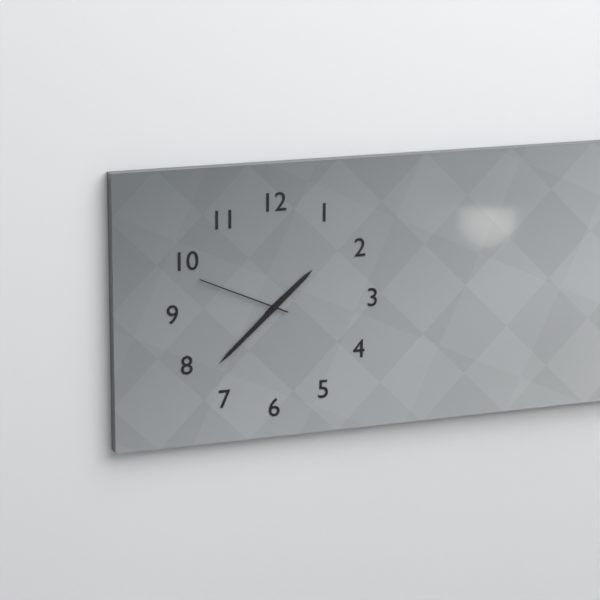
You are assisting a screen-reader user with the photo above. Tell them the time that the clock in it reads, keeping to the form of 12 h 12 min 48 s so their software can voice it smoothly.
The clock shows 1 h 38 min 49 s
